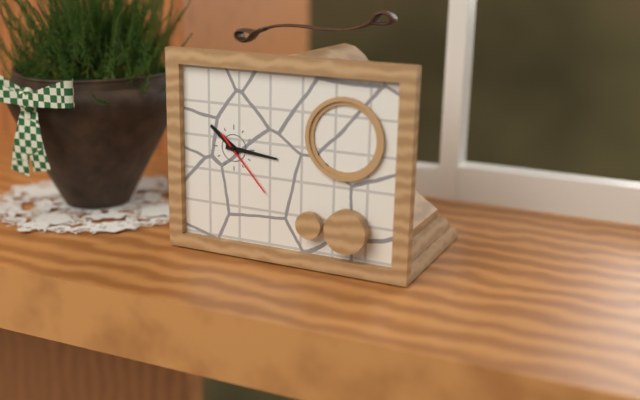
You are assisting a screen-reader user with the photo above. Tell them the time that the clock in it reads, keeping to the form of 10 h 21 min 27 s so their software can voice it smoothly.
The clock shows 10 h 16 min 23 s
